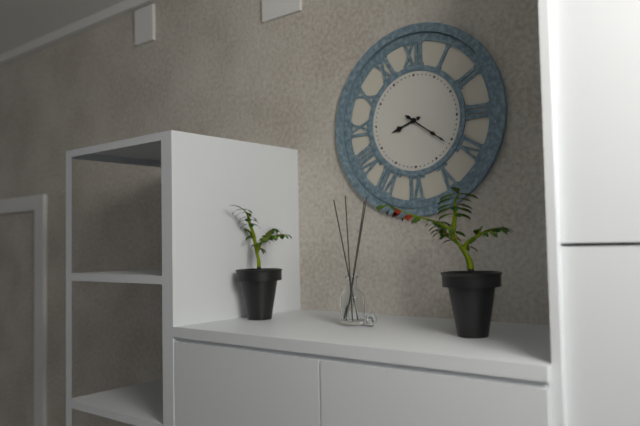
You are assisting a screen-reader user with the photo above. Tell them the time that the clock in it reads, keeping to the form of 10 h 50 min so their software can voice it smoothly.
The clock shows 8 h 21 min
